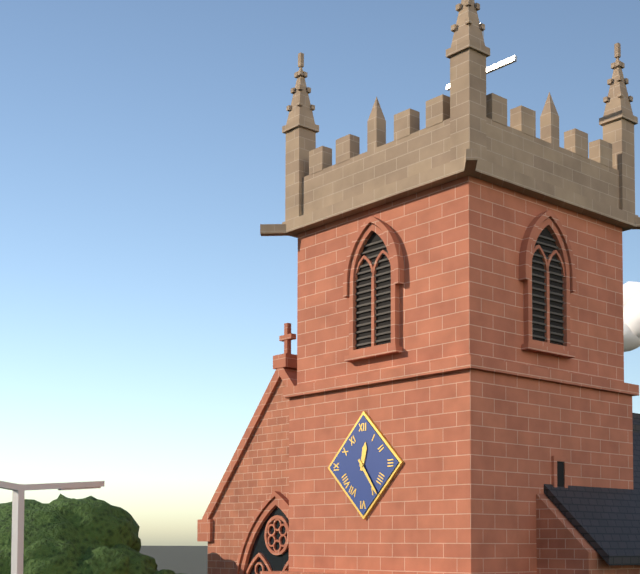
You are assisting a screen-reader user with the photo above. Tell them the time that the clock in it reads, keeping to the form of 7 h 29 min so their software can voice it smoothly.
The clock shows 12 h 24 min
